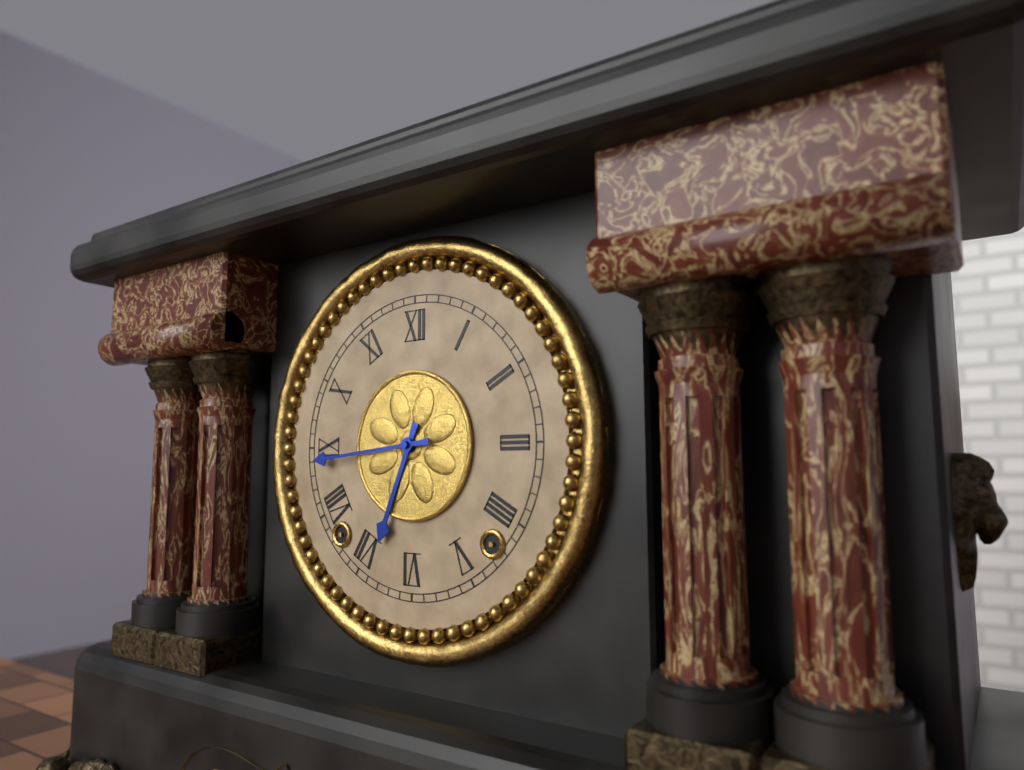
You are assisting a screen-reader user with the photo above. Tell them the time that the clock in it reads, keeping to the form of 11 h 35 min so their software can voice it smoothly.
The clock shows 6 h 44 min
